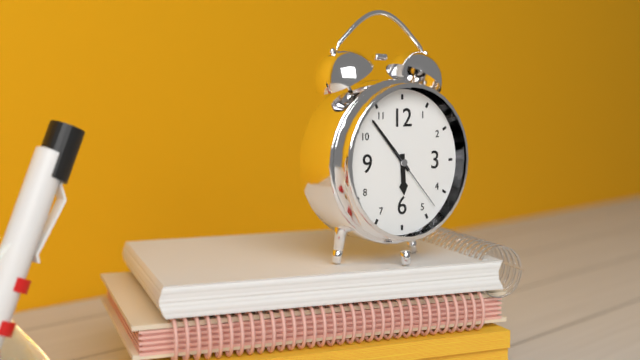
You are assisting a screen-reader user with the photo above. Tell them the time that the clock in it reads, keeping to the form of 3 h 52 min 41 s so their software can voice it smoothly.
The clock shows 5 h 53 min 23 s
